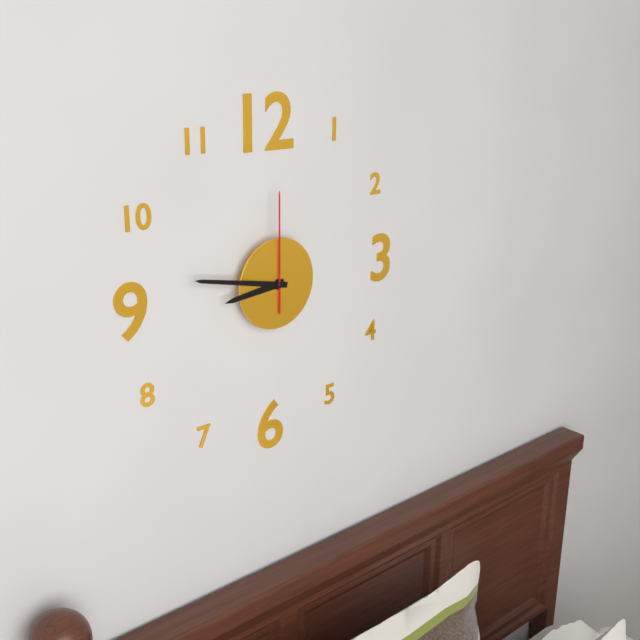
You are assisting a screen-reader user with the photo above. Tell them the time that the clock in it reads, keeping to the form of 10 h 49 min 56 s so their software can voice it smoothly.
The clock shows 8 h 47 min 00 s
